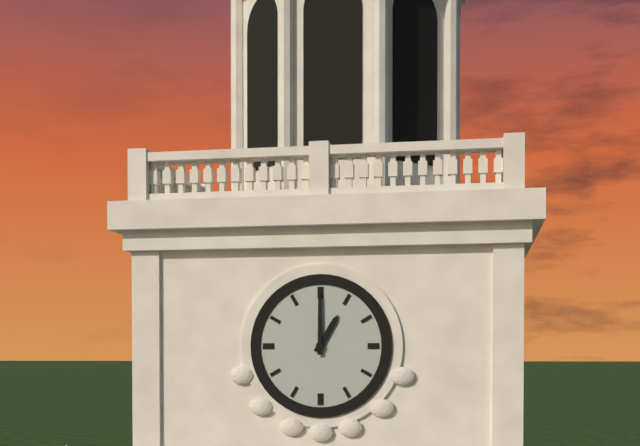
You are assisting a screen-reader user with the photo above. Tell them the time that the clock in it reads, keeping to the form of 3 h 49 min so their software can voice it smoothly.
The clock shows 1 h 00 min
